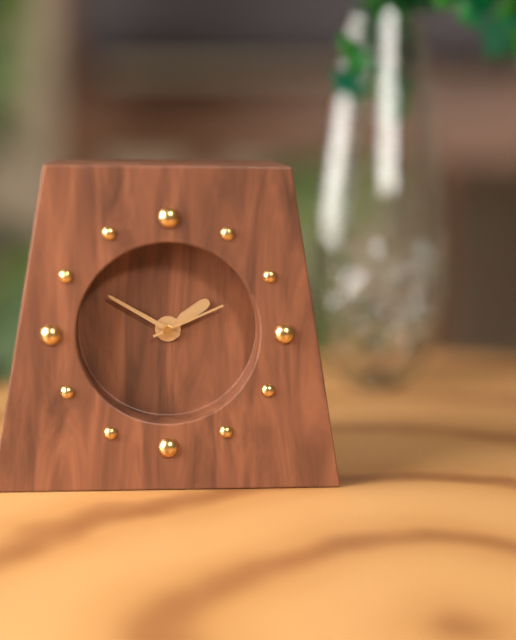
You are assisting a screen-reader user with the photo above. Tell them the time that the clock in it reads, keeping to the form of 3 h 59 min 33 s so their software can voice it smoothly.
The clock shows 1 h 50 min 11 s
